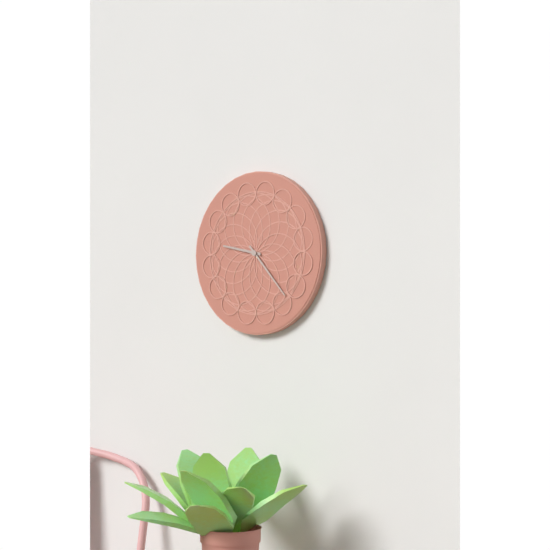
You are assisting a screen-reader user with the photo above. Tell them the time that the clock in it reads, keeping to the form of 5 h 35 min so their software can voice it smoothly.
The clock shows 9 h 23 min
